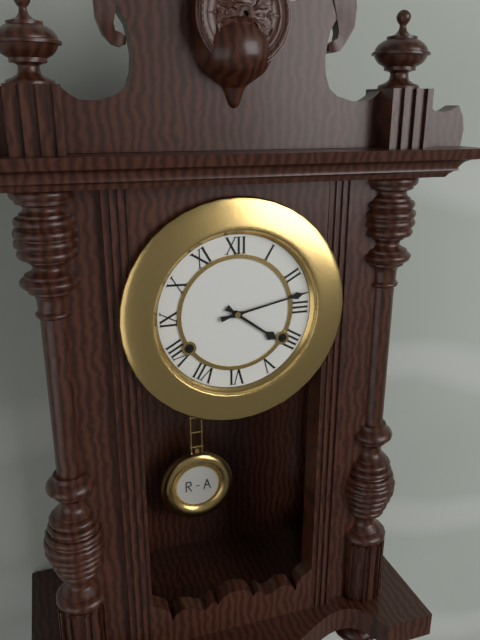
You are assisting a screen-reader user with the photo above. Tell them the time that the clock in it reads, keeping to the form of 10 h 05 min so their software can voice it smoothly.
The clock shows 4 h 13 min
